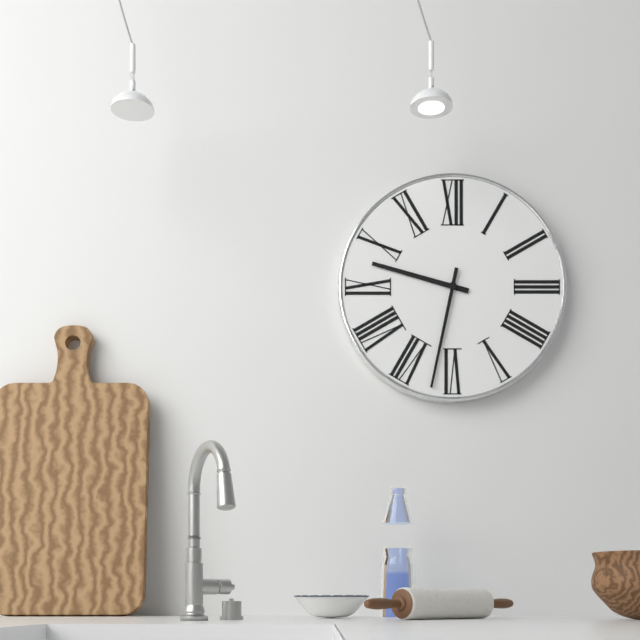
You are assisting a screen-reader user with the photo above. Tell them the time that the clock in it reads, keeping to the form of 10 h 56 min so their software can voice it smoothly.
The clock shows 9 h 32 min
